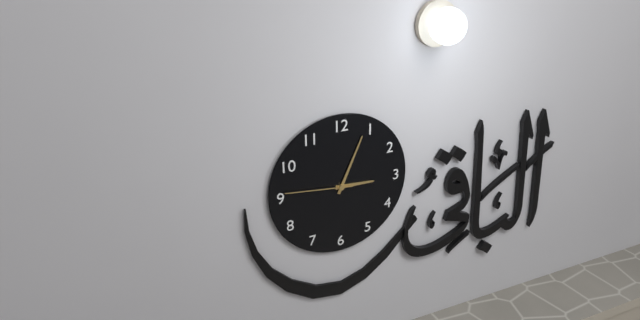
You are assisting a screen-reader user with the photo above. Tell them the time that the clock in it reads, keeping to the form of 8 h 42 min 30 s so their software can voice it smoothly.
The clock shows 3 h 04 min 46 s
